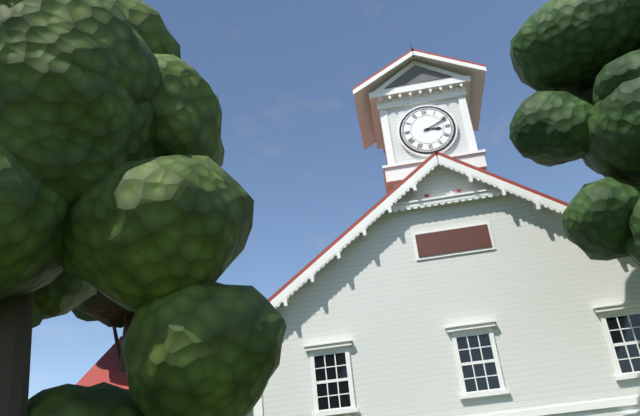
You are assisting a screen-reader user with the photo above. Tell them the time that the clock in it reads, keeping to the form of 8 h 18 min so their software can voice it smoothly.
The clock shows 3 h 11 min
